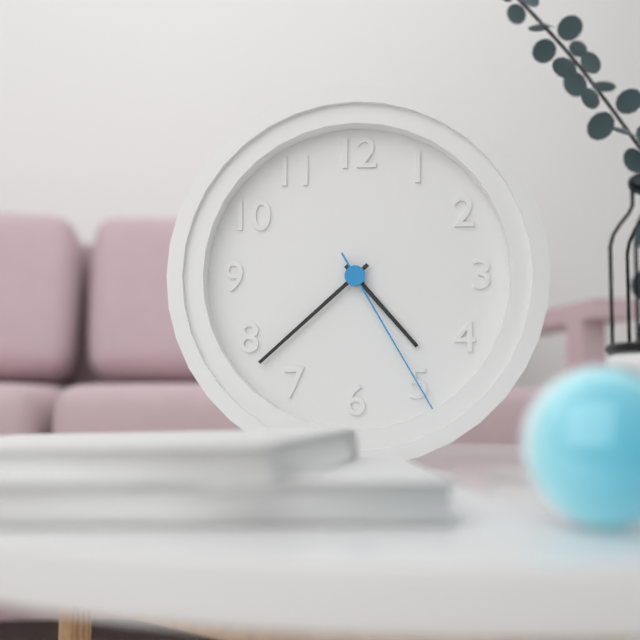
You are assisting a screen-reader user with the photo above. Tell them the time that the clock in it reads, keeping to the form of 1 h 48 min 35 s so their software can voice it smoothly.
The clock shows 4 h 38 min 25 s
